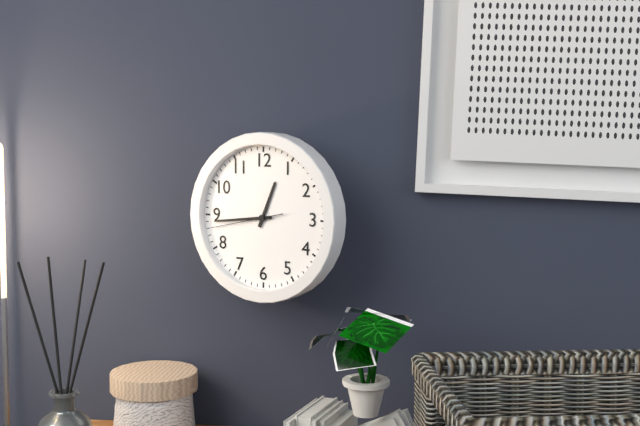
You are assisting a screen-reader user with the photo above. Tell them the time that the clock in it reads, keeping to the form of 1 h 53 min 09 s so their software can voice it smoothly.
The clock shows 12 h 44 min 43 s
